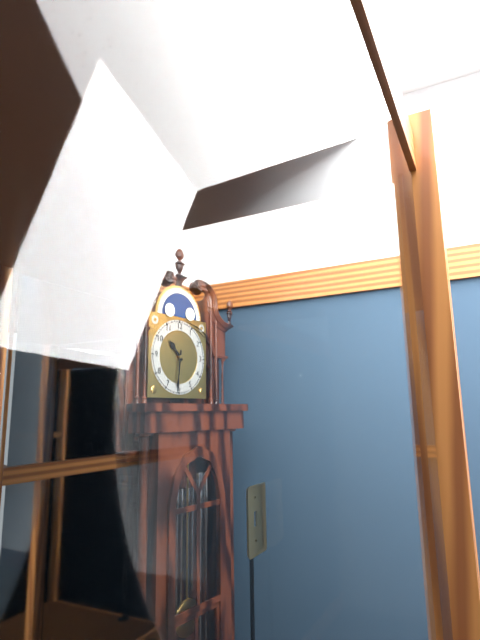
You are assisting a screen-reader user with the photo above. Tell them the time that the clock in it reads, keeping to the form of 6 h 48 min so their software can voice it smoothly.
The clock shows 10 h 31 min
